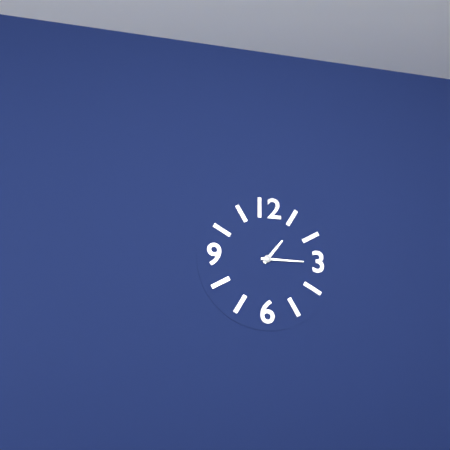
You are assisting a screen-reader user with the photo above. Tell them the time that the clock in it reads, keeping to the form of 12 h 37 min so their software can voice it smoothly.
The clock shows 1 h 15 min
